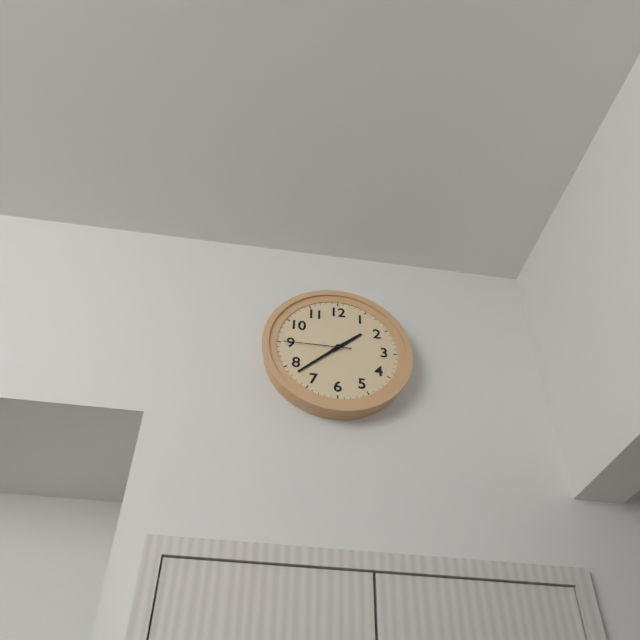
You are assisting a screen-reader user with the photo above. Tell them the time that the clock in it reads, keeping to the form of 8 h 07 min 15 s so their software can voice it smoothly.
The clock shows 1 h 38 min 45 s
